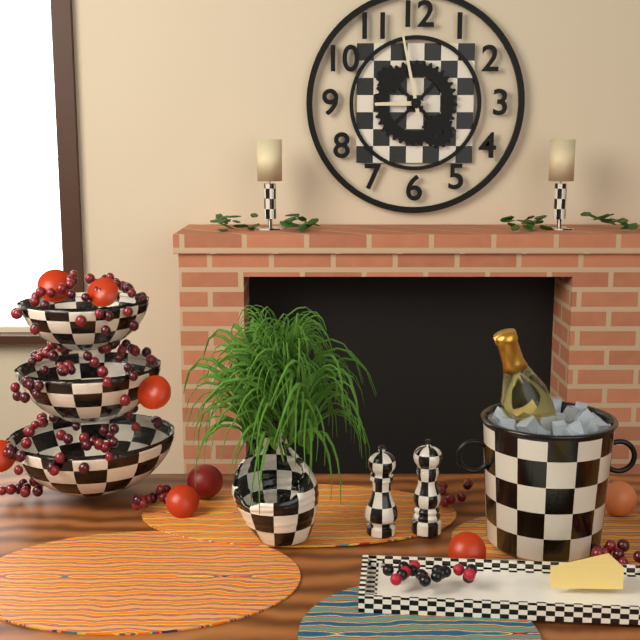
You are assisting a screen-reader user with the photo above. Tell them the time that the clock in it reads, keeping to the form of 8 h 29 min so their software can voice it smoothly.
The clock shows 8 h 58 min
